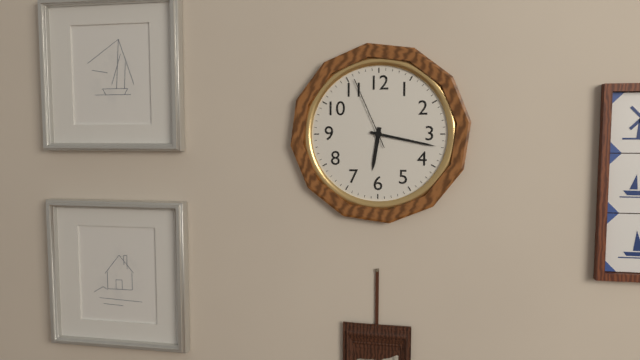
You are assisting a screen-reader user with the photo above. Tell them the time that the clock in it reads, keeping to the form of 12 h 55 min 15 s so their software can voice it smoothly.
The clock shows 6 h 17 min 56 s
